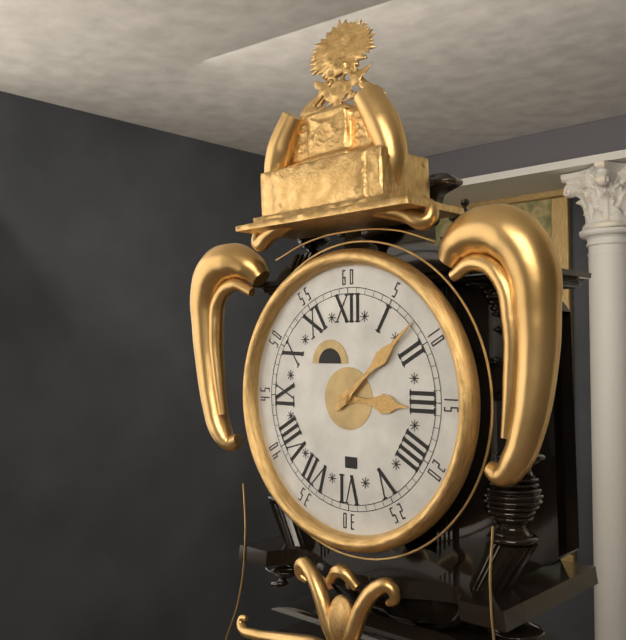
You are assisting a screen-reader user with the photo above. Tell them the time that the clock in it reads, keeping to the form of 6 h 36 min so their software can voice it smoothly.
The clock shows 3 h 08 min
